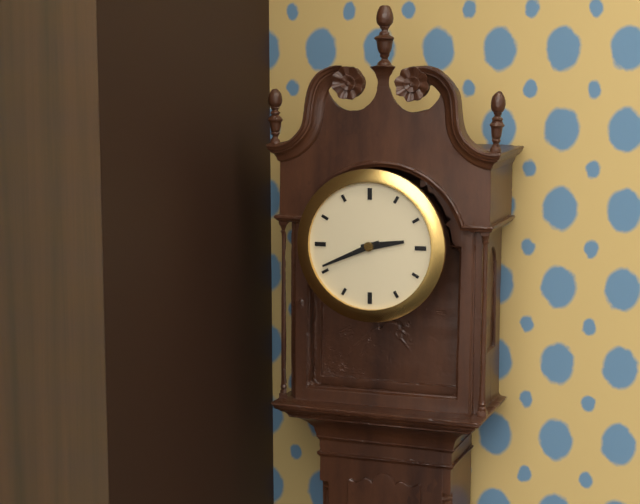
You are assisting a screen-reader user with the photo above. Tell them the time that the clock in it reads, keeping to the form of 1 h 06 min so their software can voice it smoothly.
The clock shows 2 h 41 min
